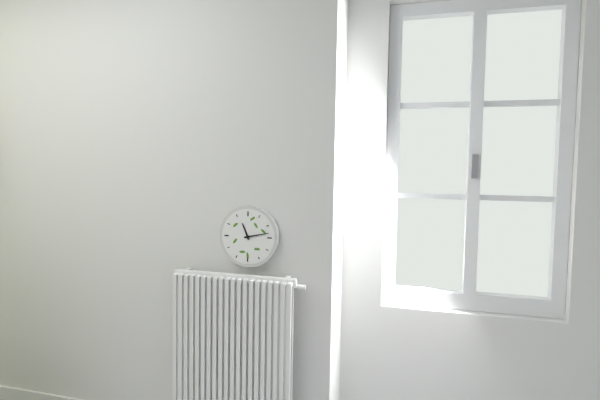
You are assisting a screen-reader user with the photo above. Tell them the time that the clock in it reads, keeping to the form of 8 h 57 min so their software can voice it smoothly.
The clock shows 11 h 13 min
